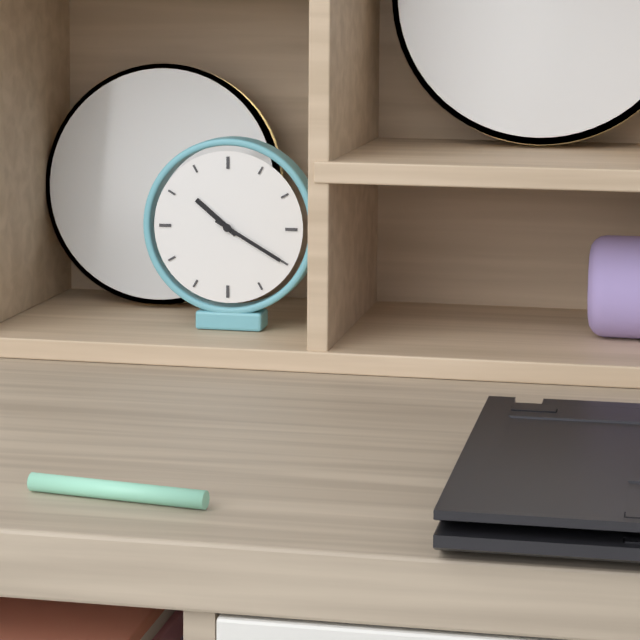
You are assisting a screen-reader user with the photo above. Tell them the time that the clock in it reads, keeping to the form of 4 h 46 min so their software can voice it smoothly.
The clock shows 10 h 20 min
